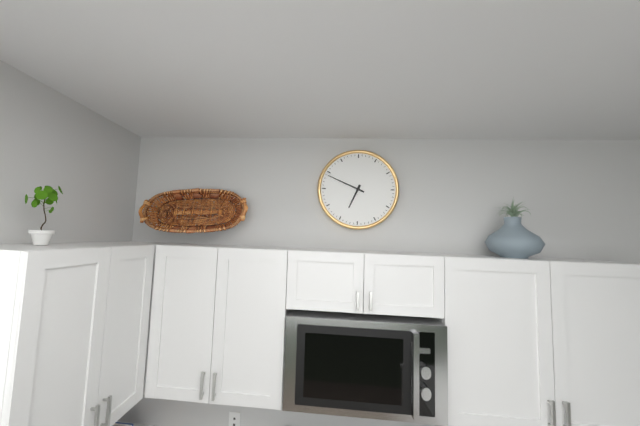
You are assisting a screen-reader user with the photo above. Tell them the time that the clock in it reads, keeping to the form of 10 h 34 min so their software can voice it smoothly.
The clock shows 6 h 49 min
